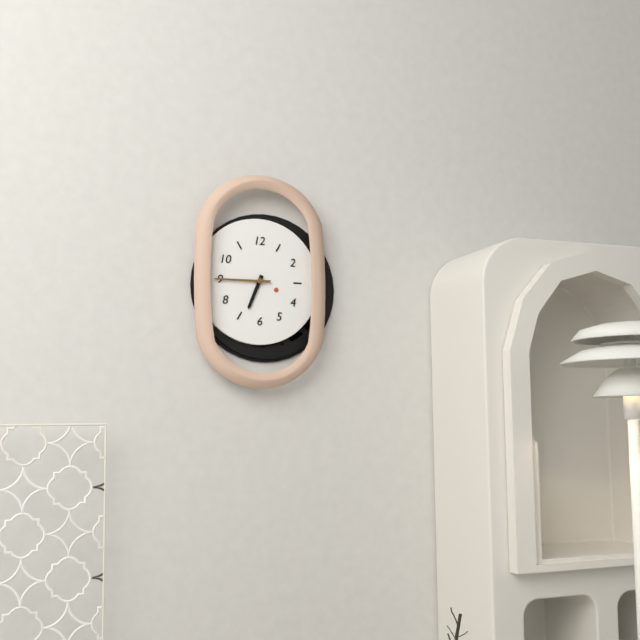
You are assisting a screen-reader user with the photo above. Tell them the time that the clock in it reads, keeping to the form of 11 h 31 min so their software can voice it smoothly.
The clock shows 6 h 45 min
